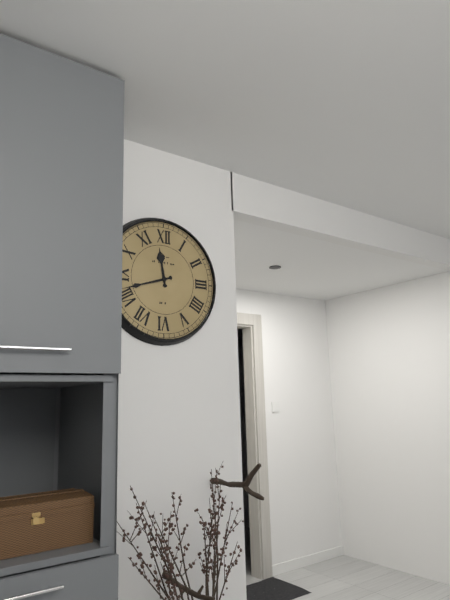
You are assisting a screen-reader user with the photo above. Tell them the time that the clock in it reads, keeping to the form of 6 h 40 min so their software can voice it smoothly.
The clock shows 11 h 42 min
